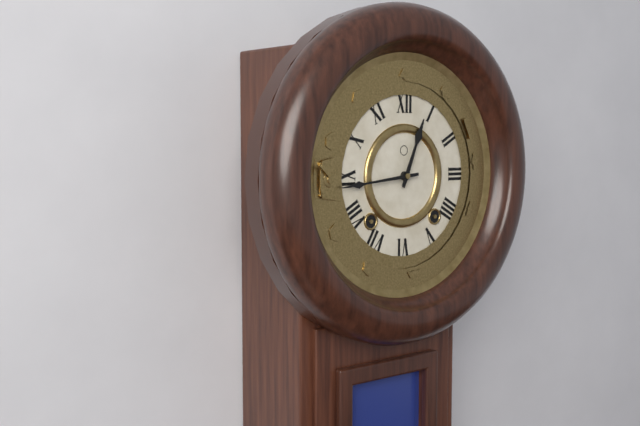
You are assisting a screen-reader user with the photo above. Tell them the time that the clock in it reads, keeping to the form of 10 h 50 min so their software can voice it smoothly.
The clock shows 12 h 44 min
